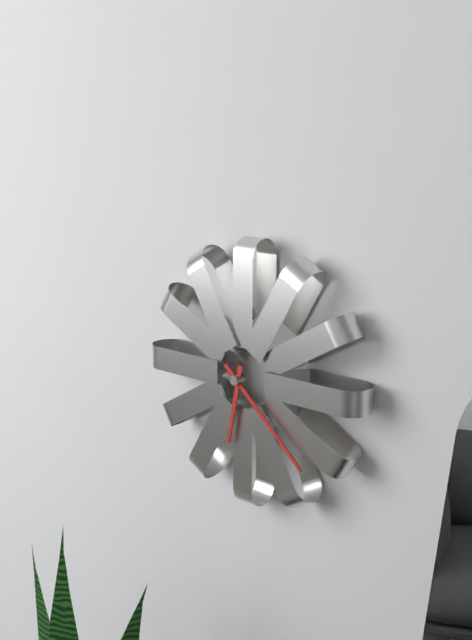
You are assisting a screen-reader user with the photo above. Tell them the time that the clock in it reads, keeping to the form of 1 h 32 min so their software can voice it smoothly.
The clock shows 6 h 22 min
